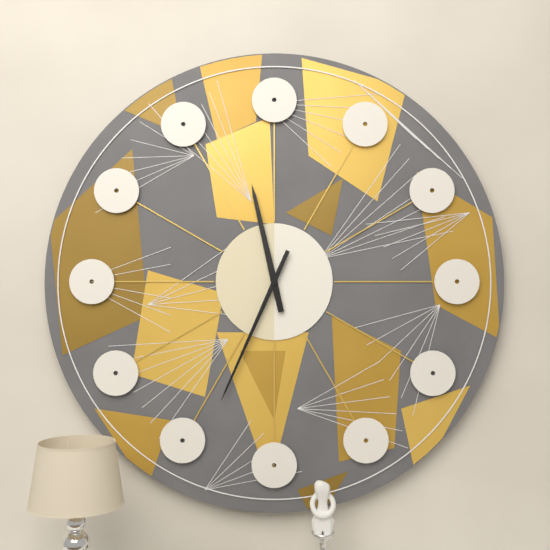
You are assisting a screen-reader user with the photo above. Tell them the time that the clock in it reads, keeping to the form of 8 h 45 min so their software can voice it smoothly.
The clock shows 11 h 34 min
